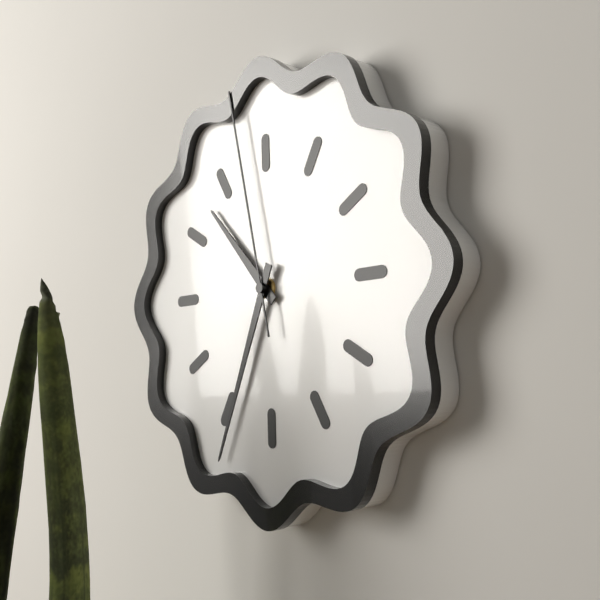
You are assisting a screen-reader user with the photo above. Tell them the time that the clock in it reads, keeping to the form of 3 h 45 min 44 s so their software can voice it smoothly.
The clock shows 10 h 34 min 58 s
